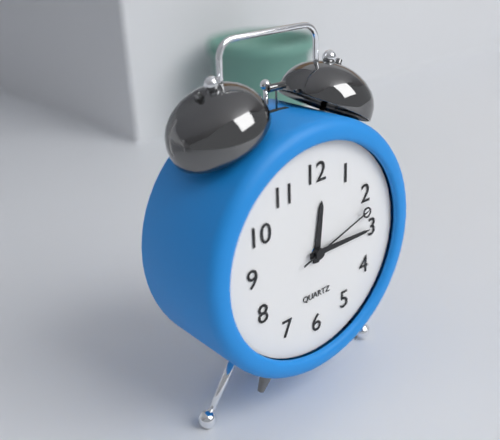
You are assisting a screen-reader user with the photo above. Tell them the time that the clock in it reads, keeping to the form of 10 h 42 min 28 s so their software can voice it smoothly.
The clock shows 12 h 15 min 12 s
